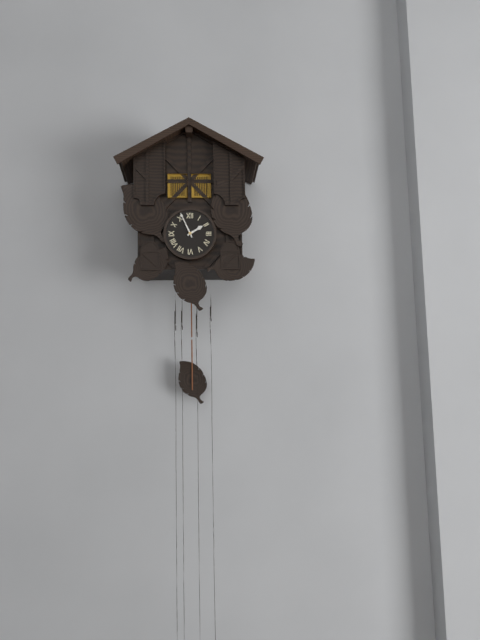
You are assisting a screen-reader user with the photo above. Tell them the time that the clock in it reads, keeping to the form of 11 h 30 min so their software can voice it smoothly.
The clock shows 1 h 56 min
